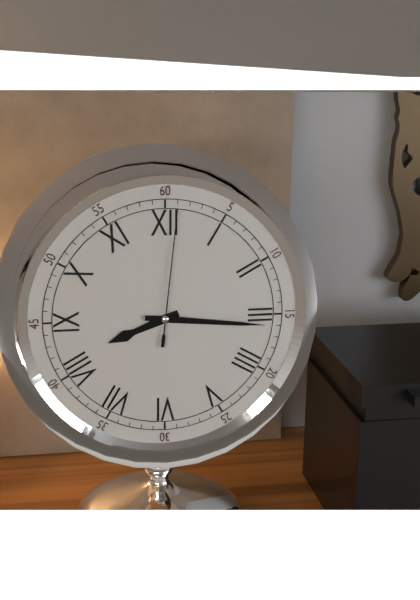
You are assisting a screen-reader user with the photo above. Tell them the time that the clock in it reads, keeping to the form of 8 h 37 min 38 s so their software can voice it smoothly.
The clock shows 8 h 16 min 01 s
